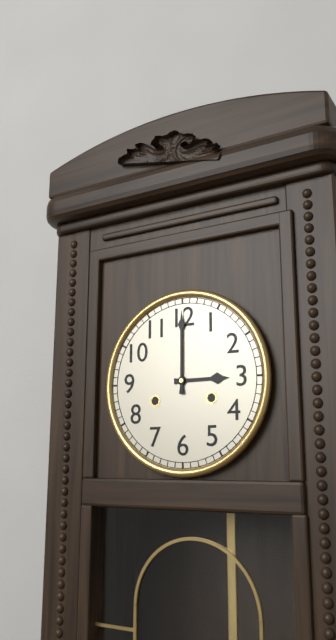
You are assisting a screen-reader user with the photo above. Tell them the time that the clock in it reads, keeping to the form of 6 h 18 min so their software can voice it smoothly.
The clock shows 3 h 00 min
